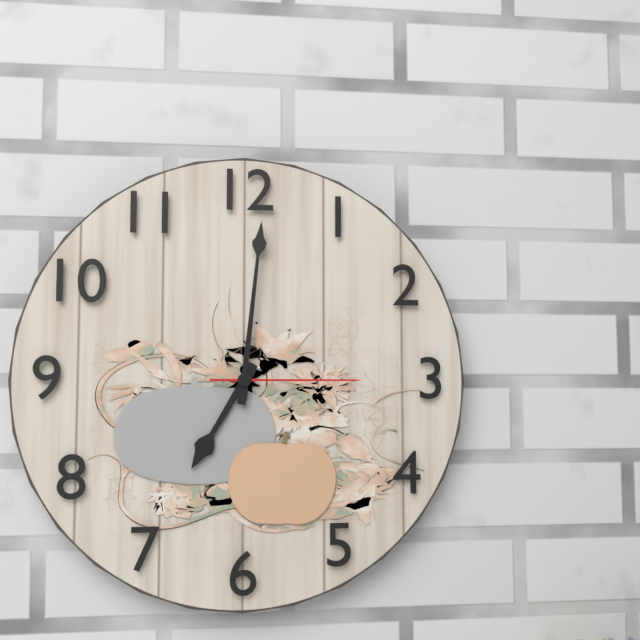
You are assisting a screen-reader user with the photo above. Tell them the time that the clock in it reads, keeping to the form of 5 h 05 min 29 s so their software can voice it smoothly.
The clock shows 7 h 01 min 15 s
